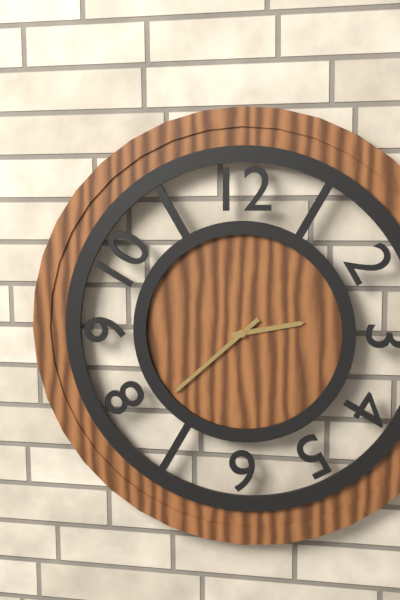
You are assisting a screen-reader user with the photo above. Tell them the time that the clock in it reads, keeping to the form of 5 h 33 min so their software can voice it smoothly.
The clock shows 2 h 38 min
